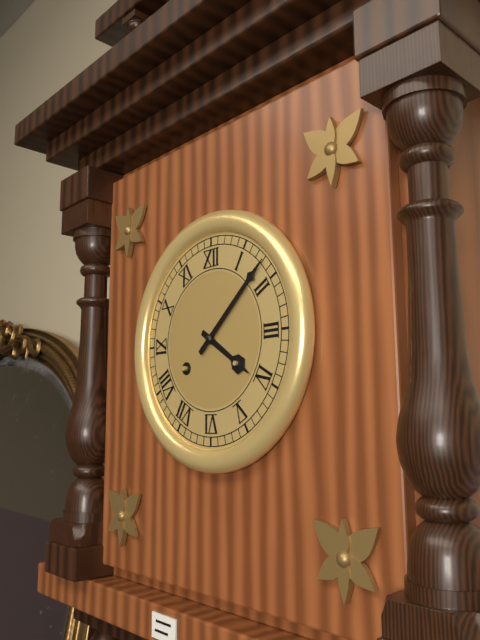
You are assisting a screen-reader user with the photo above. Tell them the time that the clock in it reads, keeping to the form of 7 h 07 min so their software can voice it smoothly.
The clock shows 4 h 08 min
